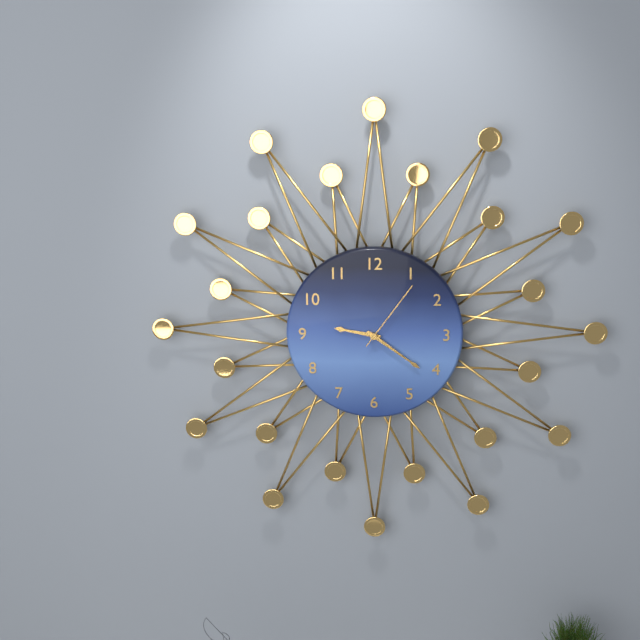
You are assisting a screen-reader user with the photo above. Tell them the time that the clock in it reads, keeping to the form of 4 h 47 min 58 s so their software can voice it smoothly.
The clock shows 9 h 21 min 06 s
